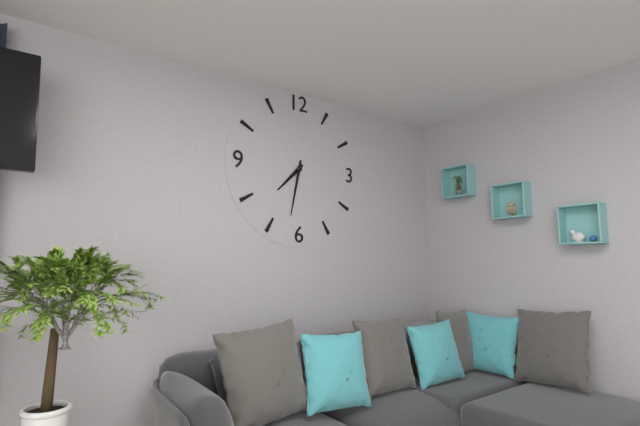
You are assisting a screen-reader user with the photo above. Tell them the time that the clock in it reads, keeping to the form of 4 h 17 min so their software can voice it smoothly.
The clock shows 7 h 32 min
